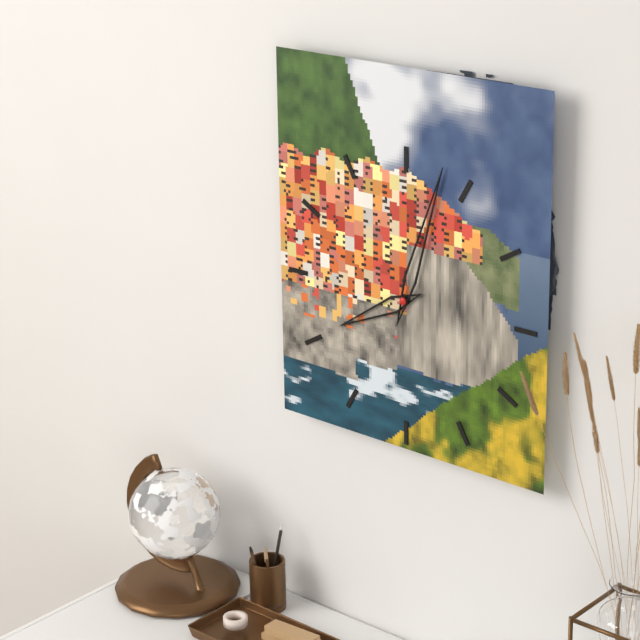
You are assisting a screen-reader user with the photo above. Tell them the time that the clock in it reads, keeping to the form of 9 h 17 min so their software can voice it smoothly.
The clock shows 8 h 03 min
